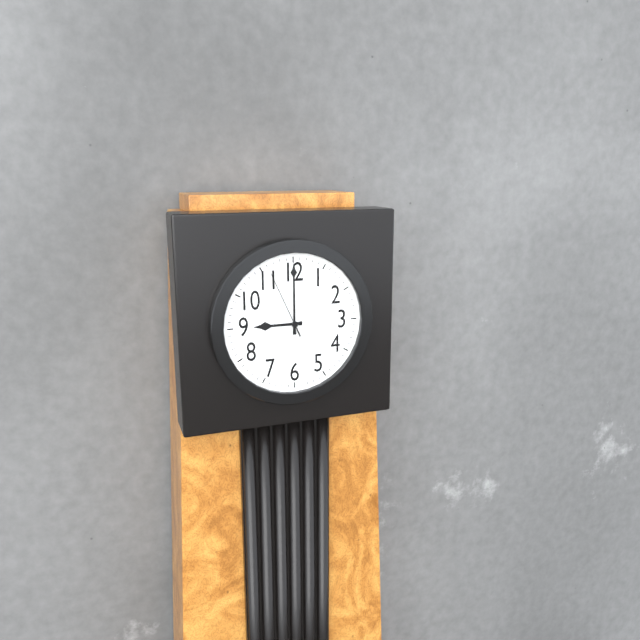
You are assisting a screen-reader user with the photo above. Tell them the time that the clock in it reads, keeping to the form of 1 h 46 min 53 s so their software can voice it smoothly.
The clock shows 9 h 00 min 56 s
